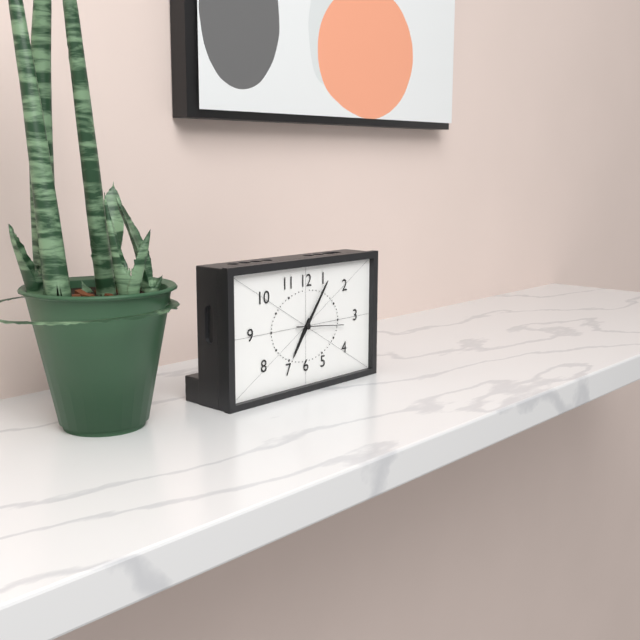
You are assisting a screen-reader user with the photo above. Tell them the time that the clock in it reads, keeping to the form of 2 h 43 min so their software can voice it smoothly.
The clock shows 7 h 06 min
